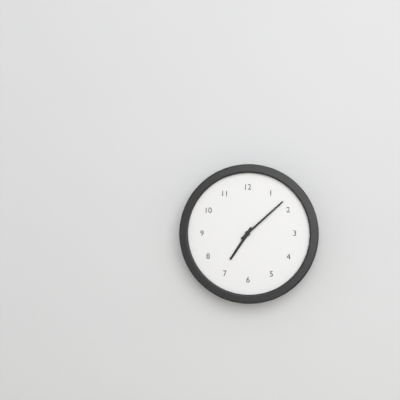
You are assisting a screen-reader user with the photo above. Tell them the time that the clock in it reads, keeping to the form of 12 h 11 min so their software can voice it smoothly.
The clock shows 7 h 08 min
